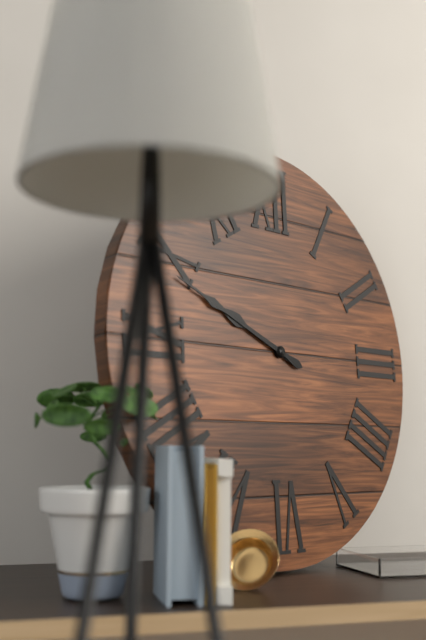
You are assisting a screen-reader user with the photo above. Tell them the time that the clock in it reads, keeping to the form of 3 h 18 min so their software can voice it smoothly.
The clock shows 9 h 49 min
